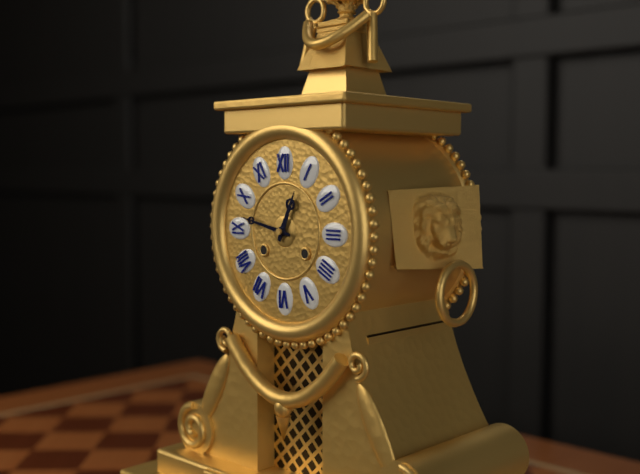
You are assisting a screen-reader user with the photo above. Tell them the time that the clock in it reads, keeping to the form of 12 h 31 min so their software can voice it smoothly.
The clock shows 12 h 47 min
